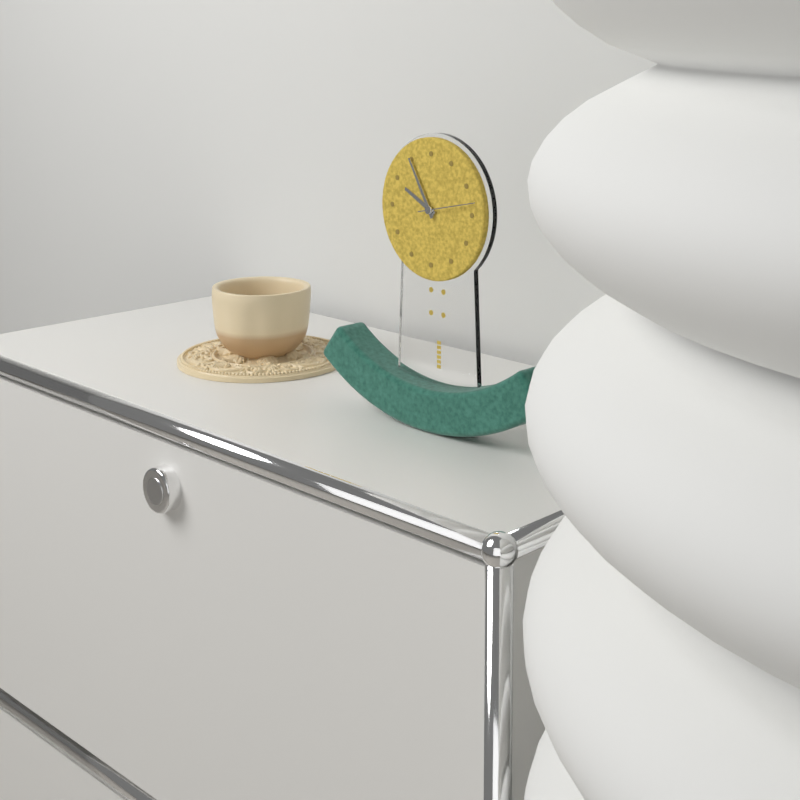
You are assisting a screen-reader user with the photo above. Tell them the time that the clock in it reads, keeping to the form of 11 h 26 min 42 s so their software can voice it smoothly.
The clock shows 9 h 55 min 13 s
